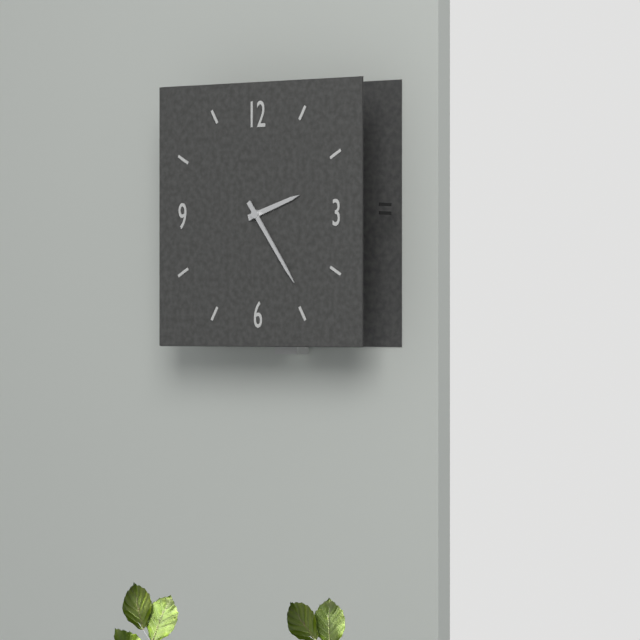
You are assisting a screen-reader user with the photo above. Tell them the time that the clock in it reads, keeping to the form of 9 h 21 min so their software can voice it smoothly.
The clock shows 2 h 24 min
